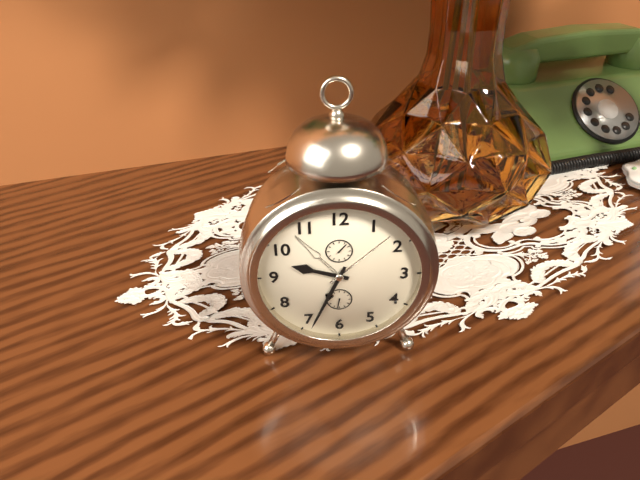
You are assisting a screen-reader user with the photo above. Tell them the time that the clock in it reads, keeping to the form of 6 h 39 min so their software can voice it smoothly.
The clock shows 9 h 34 min
